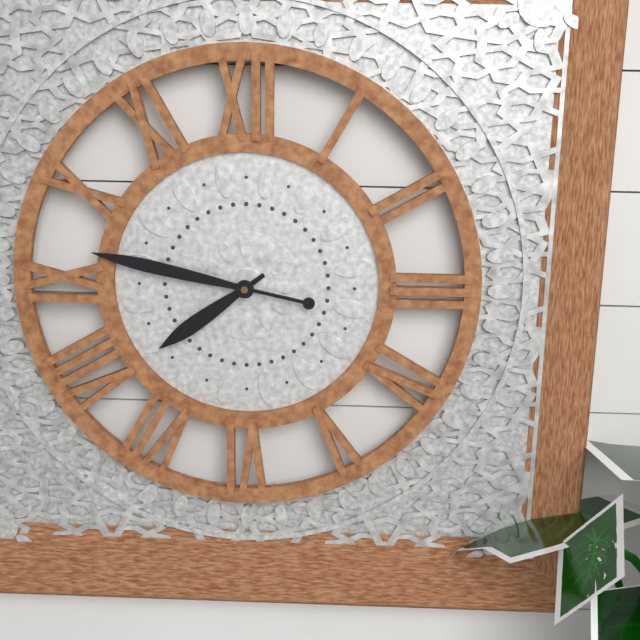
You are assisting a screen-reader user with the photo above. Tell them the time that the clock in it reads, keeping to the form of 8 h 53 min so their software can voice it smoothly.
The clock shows 7 h 47 min
